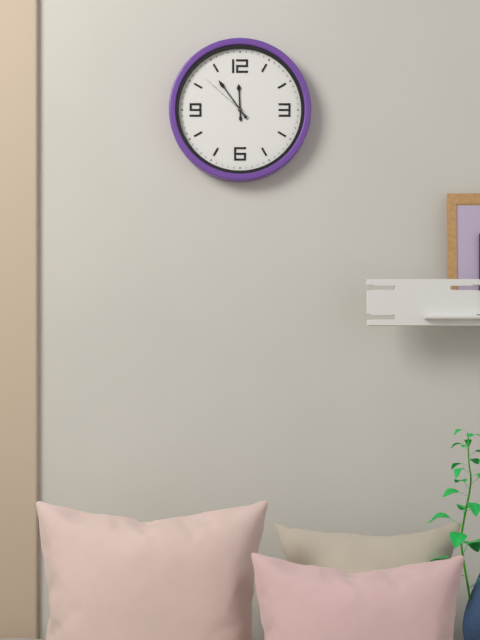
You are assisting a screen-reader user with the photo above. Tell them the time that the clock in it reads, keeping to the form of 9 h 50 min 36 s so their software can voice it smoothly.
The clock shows 11 h 54 min 52 s
